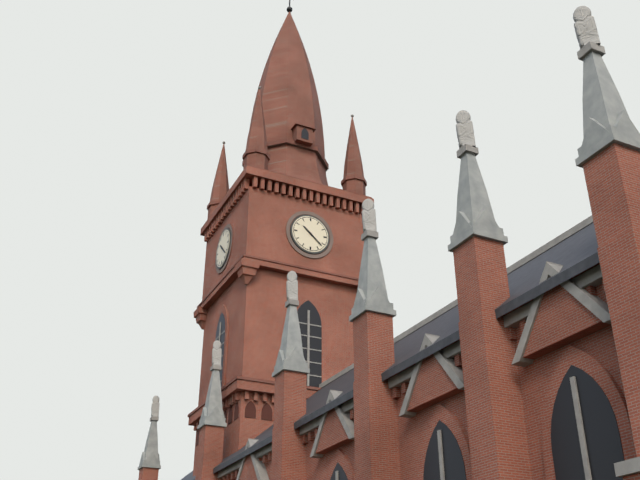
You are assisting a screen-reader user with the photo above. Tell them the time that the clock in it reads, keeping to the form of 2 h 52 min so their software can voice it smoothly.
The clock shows 10 h 22 min
